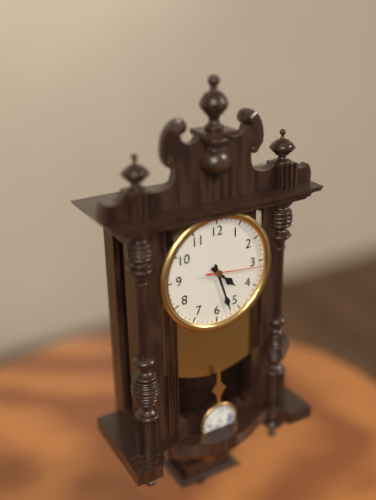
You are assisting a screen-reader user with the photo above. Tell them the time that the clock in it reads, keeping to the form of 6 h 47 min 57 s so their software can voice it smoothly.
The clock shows 4 h 27 min 16 s
